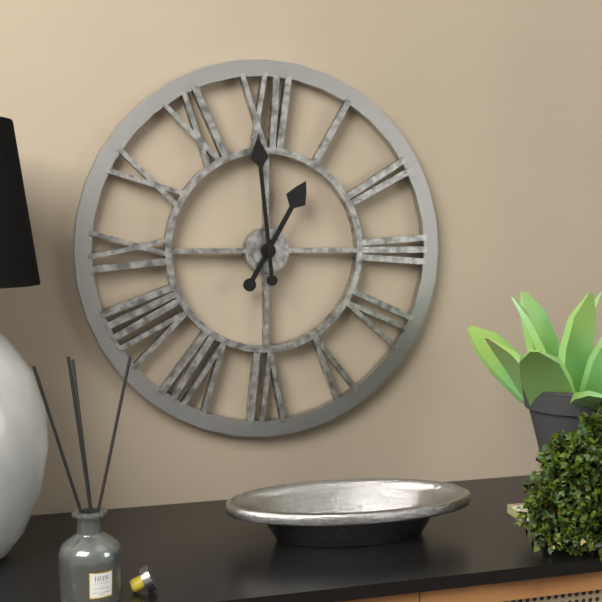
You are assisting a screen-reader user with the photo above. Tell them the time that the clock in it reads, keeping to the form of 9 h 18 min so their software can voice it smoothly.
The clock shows 12 h 59 min
